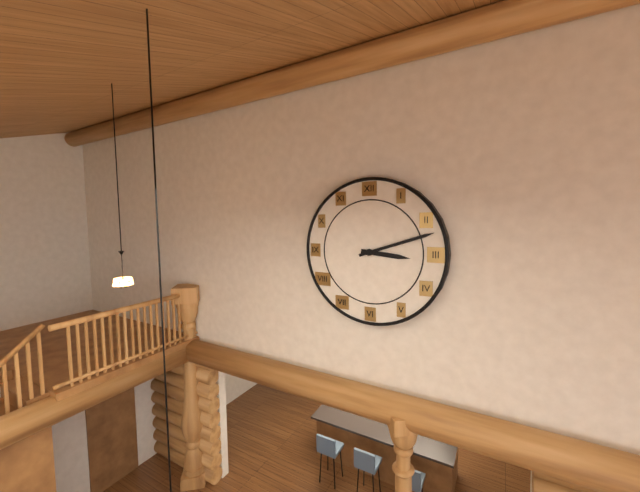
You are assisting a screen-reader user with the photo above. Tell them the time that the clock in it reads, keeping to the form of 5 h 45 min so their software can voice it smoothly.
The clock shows 3 h 12 min
